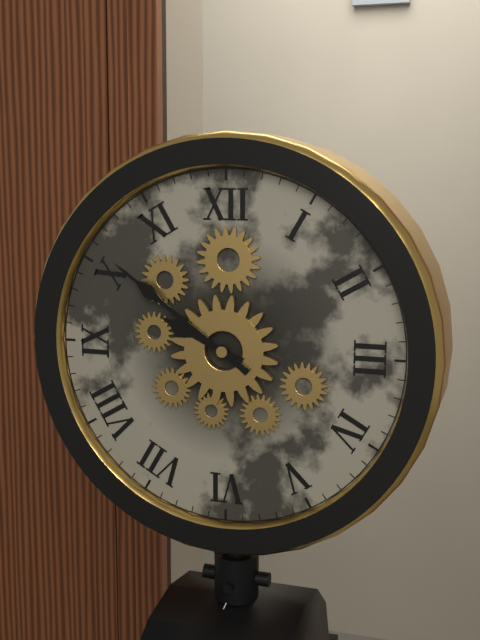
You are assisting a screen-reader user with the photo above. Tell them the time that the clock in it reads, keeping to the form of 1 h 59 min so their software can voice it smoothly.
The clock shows 9 h 51 min
